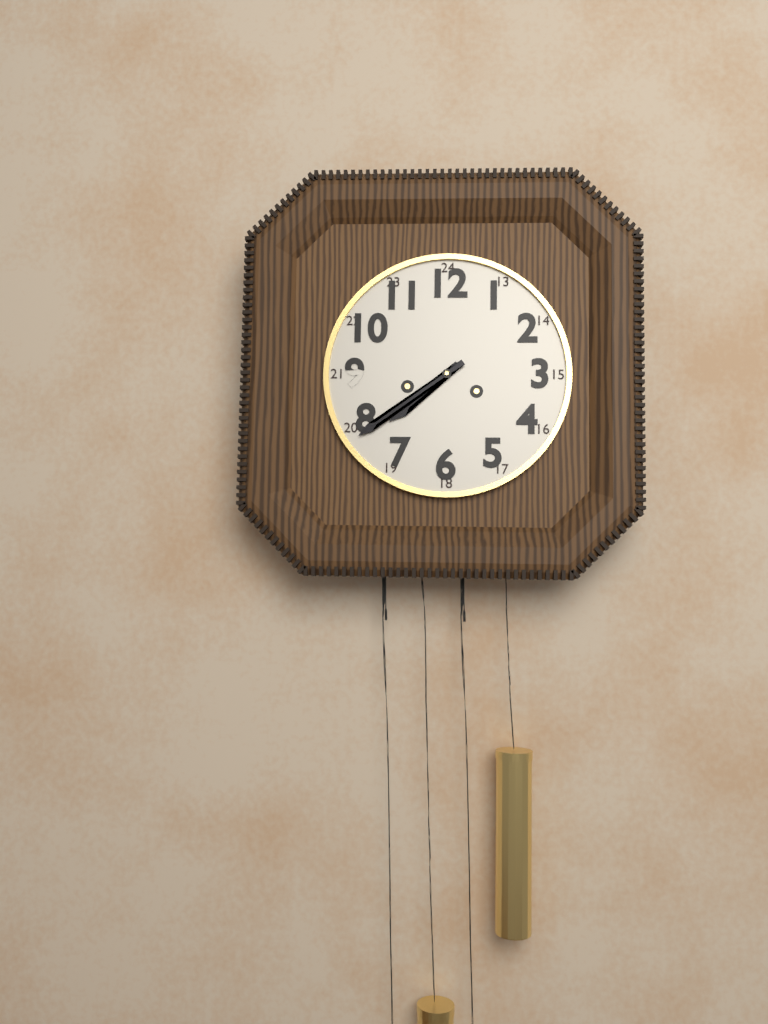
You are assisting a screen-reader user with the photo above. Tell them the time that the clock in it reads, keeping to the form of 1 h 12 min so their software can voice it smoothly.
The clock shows 7 h 39 min
